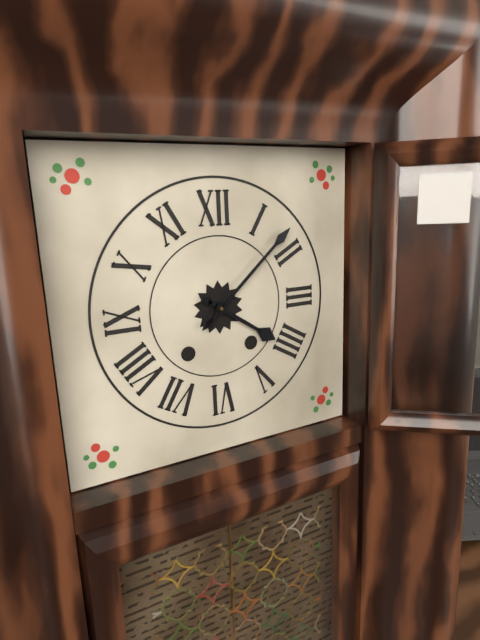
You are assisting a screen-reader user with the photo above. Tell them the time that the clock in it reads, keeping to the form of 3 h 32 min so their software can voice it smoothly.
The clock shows 4 h 08 min
